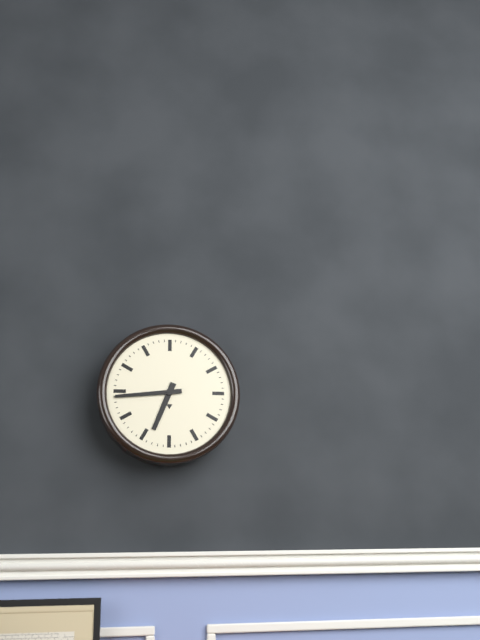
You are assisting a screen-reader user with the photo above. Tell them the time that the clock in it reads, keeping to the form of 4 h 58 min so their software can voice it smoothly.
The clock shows 6 h 44 min
